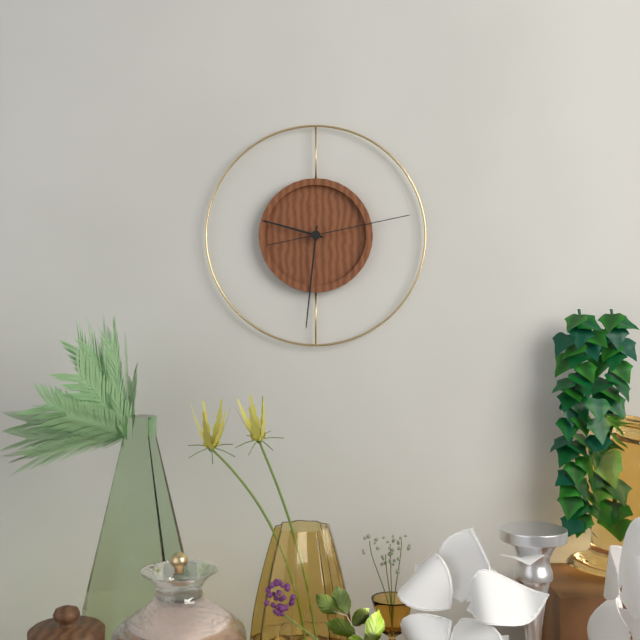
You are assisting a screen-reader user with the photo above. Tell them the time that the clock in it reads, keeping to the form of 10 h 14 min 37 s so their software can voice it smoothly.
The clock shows 9 h 31 min 13 s
